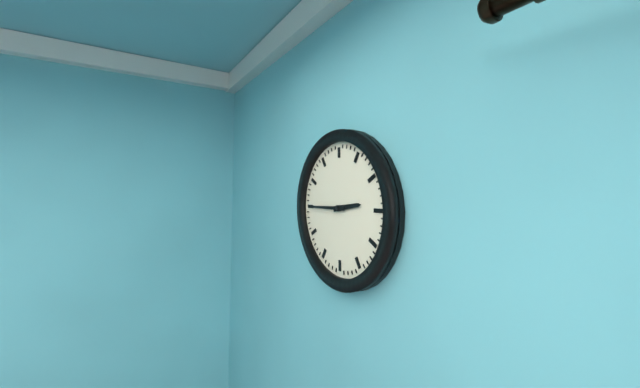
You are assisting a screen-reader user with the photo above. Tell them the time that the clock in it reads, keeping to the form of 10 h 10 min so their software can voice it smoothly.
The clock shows 2 h 45 min
